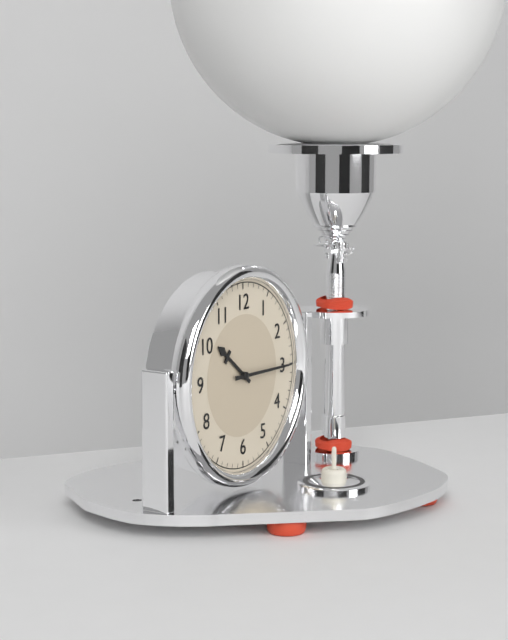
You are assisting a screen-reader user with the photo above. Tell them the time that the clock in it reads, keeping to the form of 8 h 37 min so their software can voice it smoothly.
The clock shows 10 h 15 min
